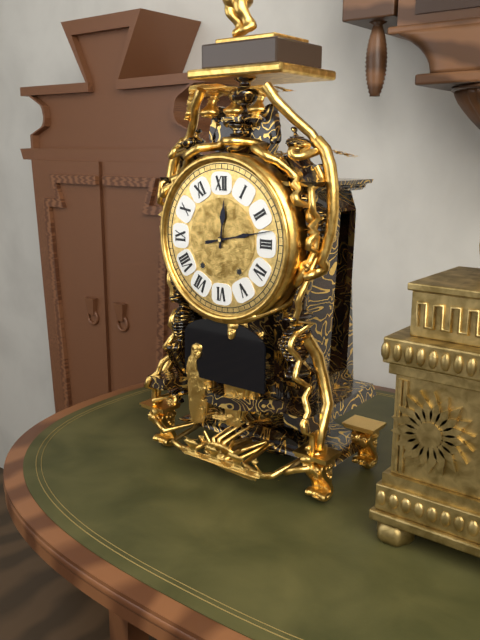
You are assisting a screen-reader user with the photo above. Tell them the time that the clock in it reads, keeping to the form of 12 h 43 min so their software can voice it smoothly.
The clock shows 12 h 13 min
